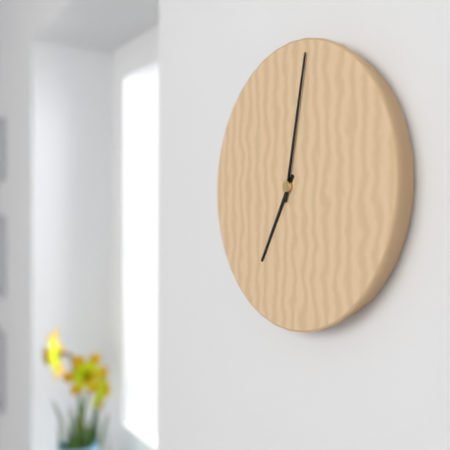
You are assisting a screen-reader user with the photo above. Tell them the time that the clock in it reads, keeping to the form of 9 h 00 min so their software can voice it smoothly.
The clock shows 7 h 02 min
